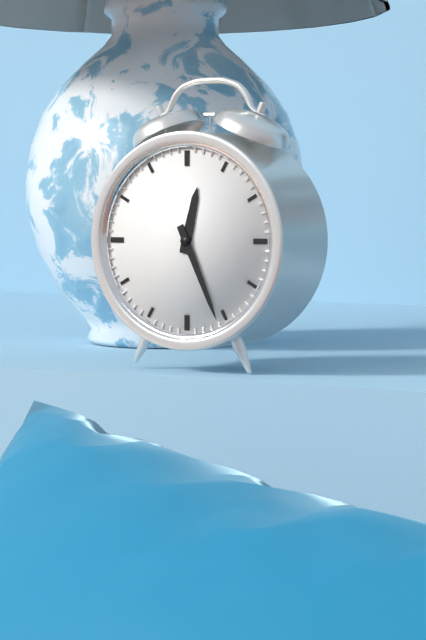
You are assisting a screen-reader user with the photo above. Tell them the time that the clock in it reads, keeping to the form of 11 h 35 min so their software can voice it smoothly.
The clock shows 12 h 26 min
